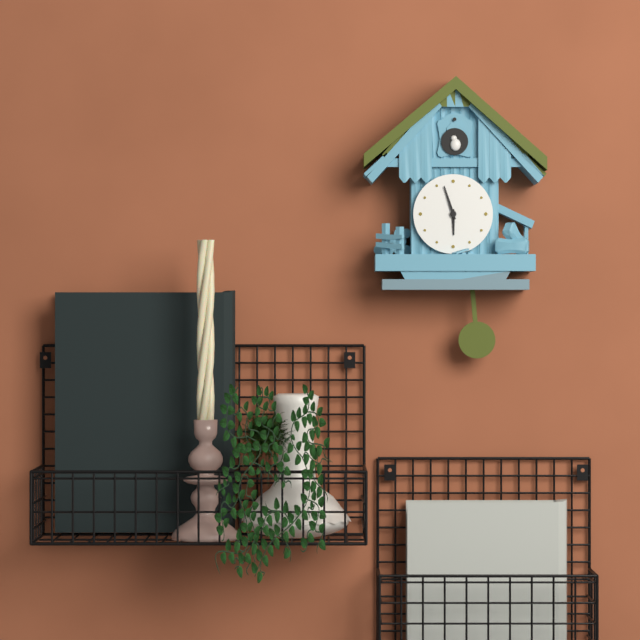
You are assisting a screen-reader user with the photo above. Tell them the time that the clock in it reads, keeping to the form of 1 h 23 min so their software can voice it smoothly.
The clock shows 5 h 57 min
